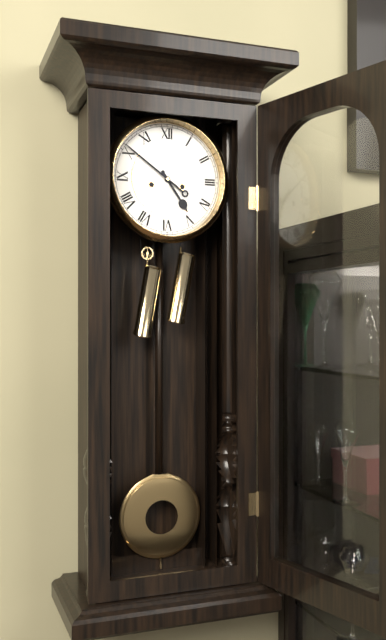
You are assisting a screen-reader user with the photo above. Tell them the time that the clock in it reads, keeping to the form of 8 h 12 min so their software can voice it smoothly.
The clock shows 4 h 51 min
